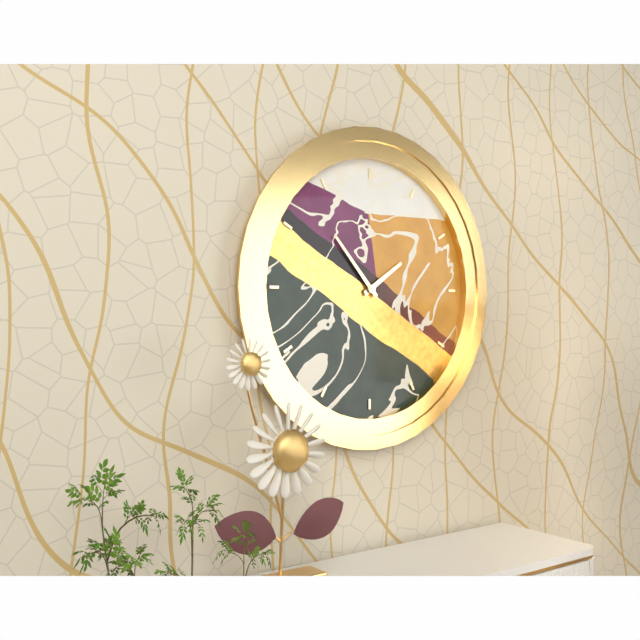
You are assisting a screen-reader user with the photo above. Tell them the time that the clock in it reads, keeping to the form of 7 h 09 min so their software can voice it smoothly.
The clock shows 1 h 53 min
